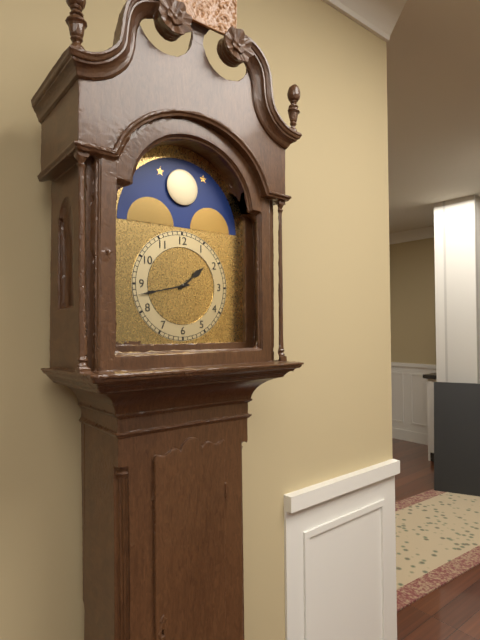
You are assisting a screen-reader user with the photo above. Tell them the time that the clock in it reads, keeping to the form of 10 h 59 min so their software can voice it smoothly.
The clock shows 1 h 43 min
